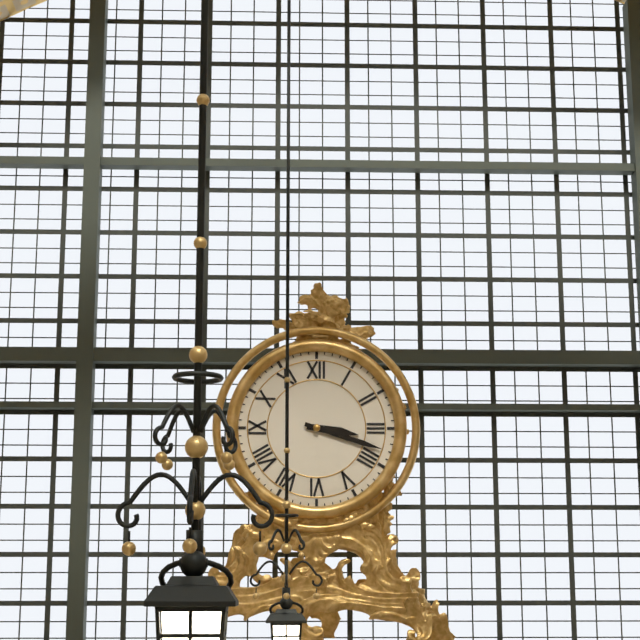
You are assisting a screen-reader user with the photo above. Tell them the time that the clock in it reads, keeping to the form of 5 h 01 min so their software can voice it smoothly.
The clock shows 3 h 18 min
